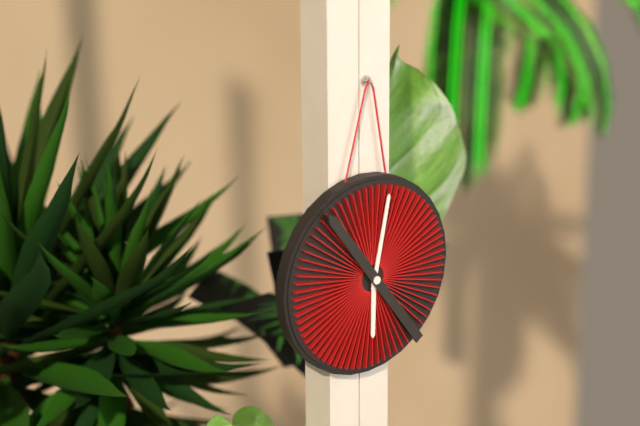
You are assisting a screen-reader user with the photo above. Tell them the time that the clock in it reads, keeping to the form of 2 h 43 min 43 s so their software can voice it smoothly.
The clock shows 6 h 02 min 54 s
